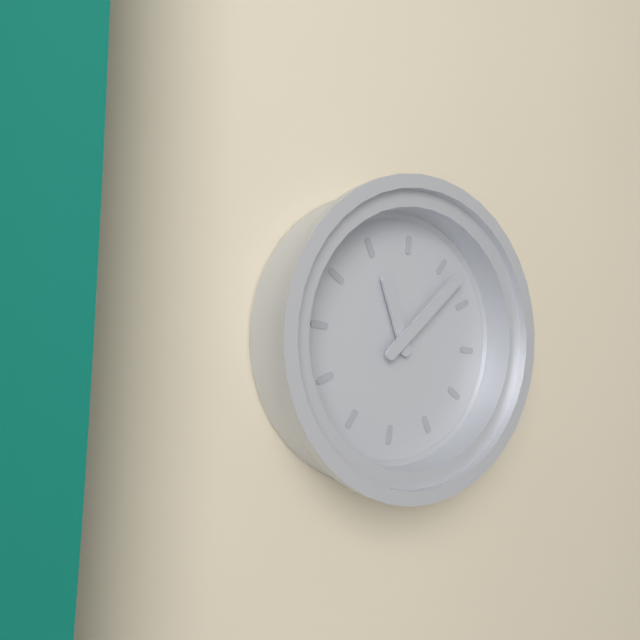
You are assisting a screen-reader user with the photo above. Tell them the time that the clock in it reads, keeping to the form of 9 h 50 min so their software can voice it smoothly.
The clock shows 11 h 07 min
